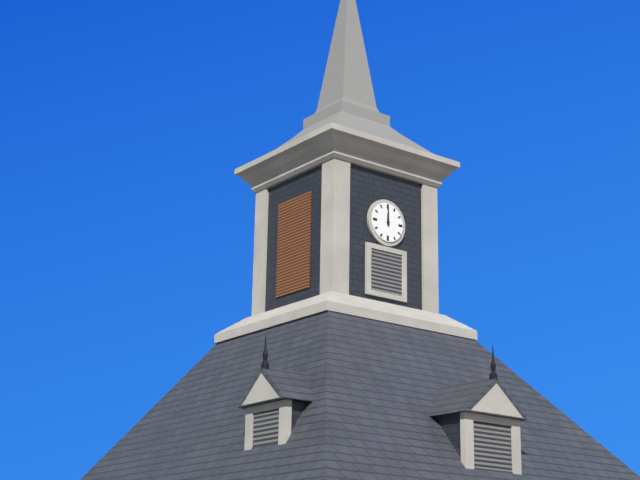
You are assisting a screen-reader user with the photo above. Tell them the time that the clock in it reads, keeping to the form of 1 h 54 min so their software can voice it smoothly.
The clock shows 12 h 00 min
